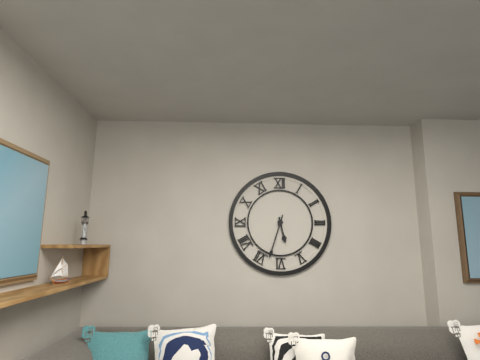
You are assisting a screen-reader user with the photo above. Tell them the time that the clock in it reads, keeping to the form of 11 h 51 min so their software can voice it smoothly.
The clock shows 5 h 33 min
